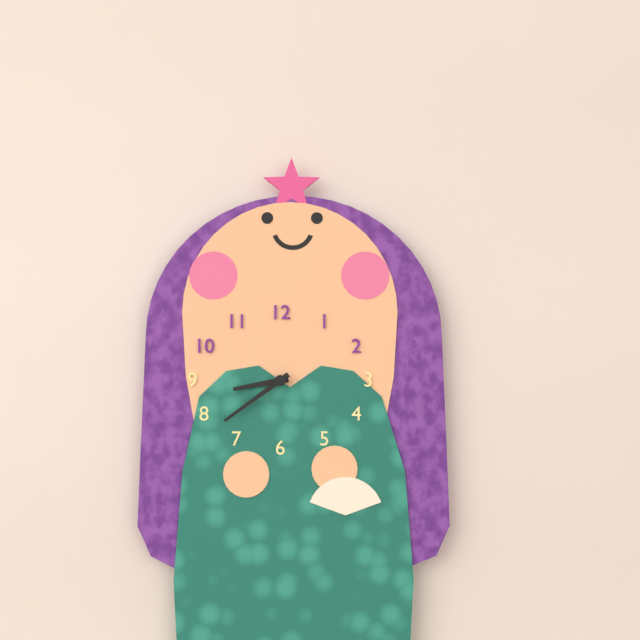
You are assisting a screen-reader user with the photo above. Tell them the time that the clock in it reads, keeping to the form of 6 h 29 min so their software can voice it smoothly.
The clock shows 8 h 39 min
